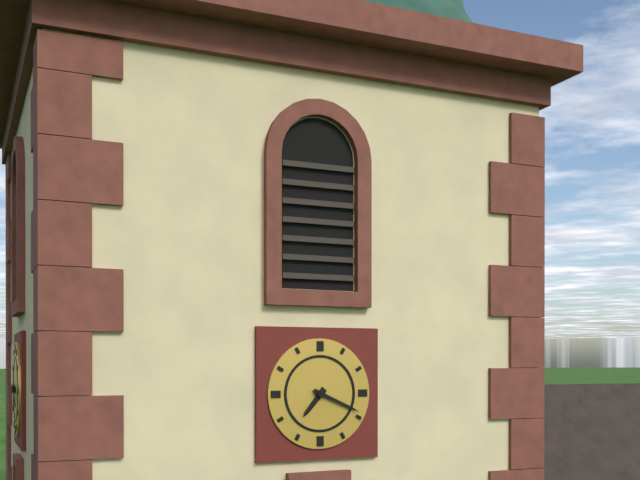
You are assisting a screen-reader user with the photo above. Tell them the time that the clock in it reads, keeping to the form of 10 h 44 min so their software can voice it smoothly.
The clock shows 7 h 19 min
